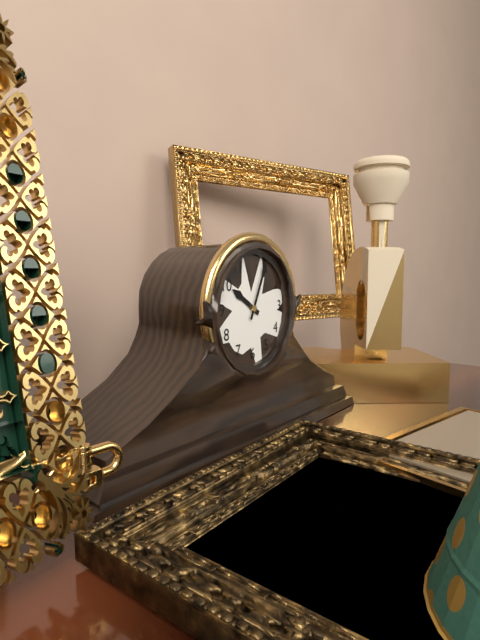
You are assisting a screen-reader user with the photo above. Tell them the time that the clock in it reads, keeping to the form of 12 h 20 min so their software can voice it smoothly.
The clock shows 10 h 04 min
